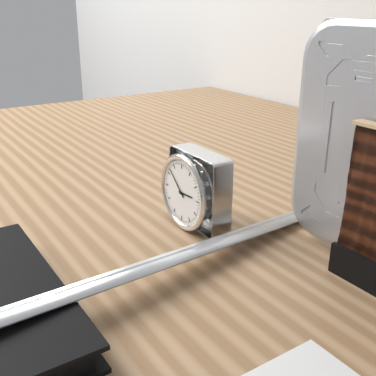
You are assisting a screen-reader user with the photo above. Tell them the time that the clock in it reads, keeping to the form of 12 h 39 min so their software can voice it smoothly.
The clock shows 2 h 52 min
